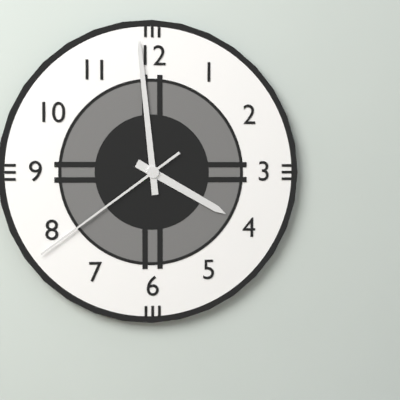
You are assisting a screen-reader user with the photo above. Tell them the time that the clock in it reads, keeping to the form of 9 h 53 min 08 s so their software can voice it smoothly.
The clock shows 3 h 59 min 39 s
